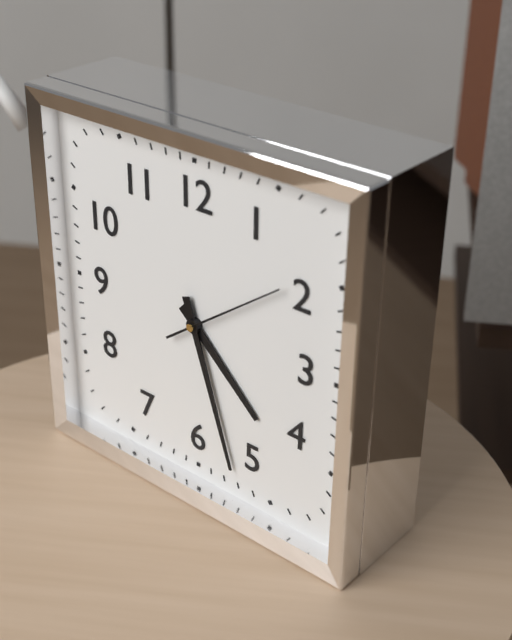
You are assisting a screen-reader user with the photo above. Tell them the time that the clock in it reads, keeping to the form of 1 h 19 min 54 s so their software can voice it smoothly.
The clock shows 4 h 27 min 09 s
